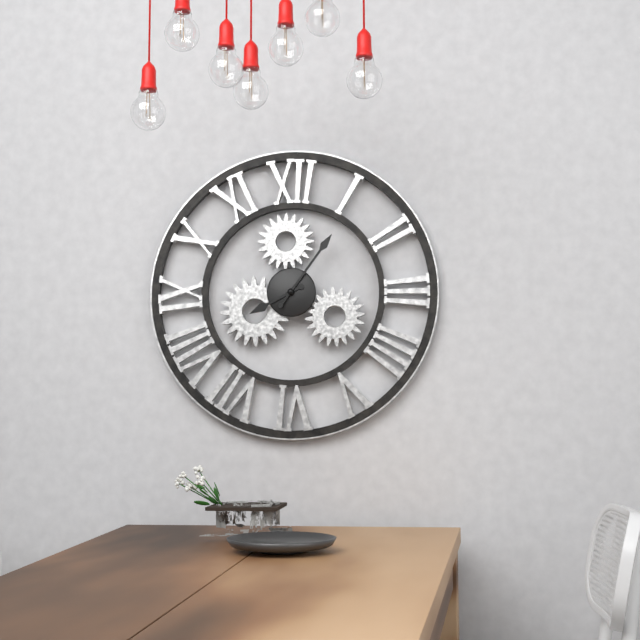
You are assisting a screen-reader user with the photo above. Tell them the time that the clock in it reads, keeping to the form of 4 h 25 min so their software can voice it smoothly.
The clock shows 8 h 06 min
